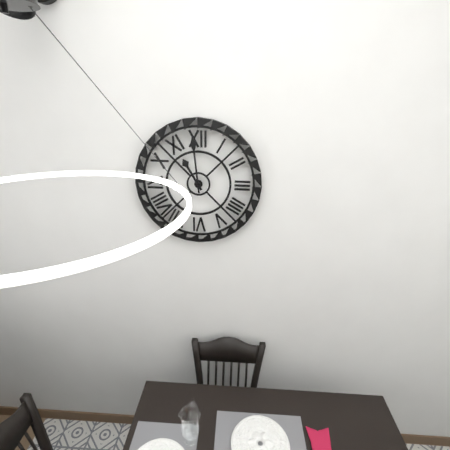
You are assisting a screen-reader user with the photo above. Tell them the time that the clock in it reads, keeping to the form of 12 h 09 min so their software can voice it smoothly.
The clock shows 10 h 59 min
